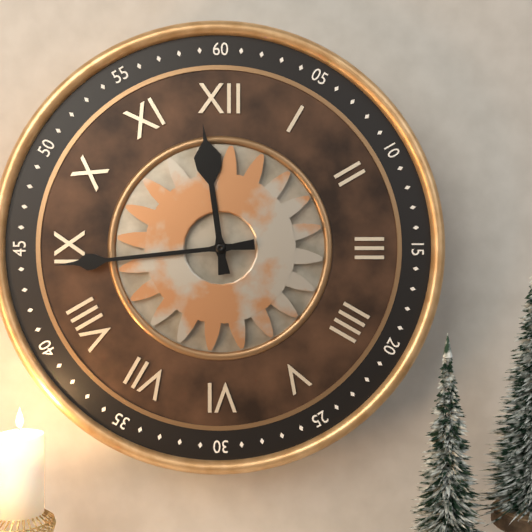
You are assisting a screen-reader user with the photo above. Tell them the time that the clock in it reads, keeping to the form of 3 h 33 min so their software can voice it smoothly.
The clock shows 11 h 44 min
